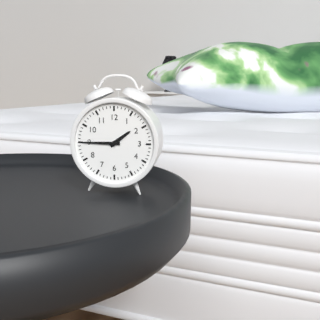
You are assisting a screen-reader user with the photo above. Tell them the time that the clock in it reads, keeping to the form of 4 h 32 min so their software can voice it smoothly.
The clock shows 1 h 45 min
